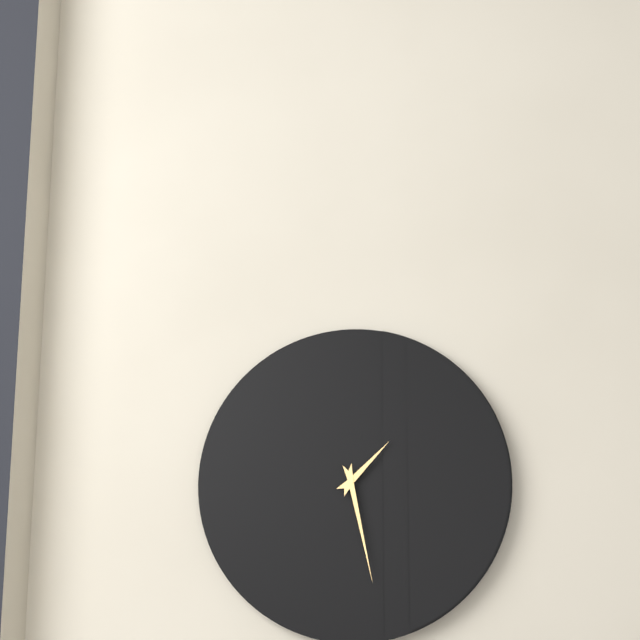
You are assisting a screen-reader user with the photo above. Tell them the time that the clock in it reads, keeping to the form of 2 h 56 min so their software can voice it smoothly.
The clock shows 1 h 28 min
